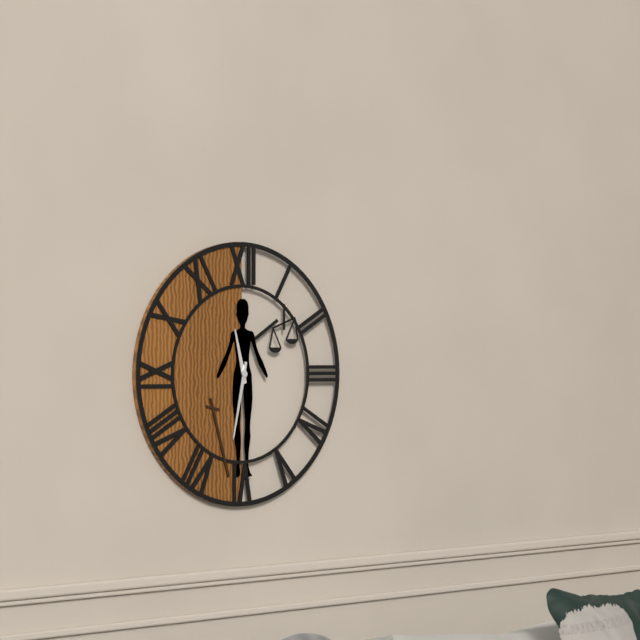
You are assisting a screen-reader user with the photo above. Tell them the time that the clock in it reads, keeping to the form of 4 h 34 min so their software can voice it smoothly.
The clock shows 11 h 32 min
